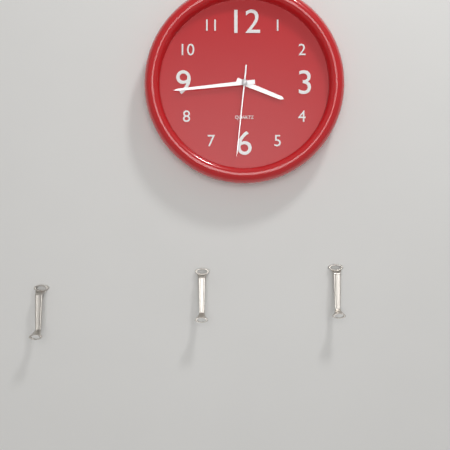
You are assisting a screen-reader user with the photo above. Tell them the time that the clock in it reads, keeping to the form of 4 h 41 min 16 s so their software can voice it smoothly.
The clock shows 3 h 44 min 31 s
